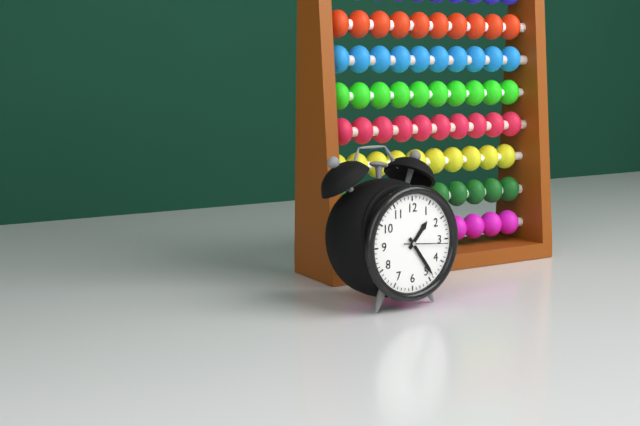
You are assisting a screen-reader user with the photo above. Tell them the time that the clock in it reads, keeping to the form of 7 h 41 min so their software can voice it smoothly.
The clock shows 1 h 24 min
